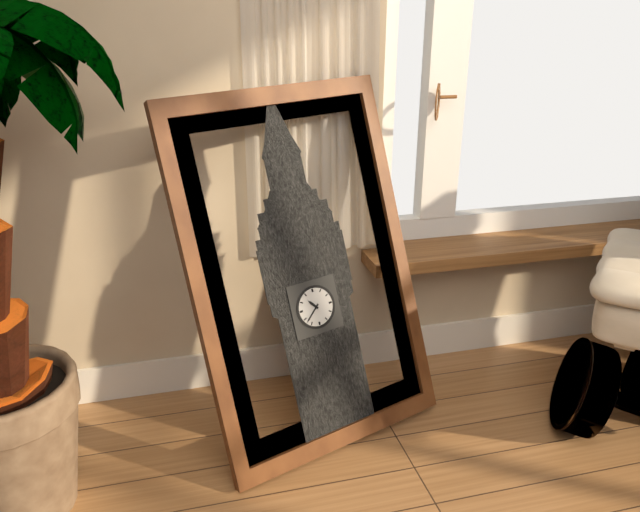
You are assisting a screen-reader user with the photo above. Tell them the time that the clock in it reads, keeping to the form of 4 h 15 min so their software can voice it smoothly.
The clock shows 10 h 38 min
